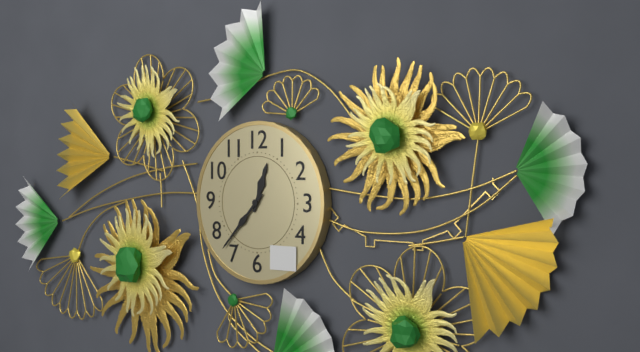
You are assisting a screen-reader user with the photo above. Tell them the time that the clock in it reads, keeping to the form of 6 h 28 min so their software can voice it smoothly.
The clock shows 12 h 37 min
